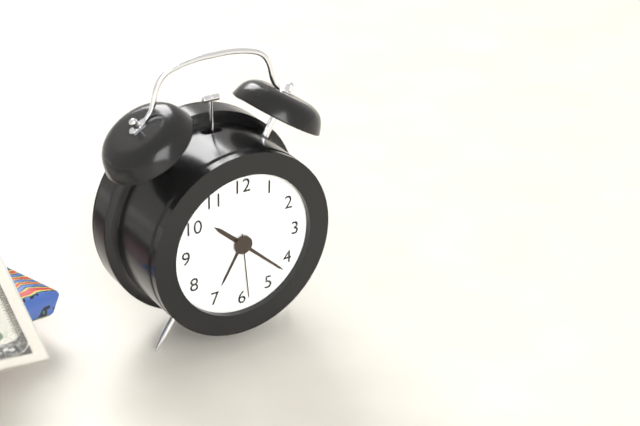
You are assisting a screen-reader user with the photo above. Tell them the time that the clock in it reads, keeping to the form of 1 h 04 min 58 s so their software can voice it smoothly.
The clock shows 10 h 22 min 29 s
